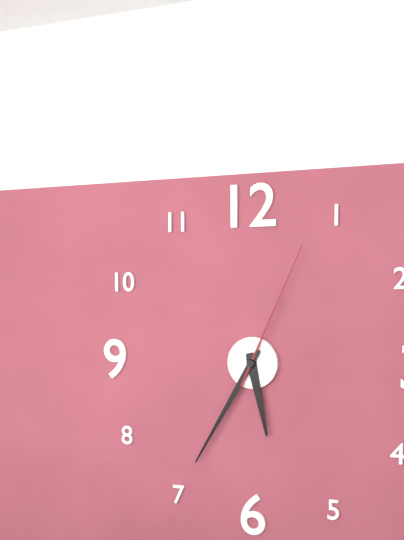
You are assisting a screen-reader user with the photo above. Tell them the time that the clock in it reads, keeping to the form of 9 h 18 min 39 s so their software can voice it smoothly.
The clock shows 5 h 35 min 04 s
